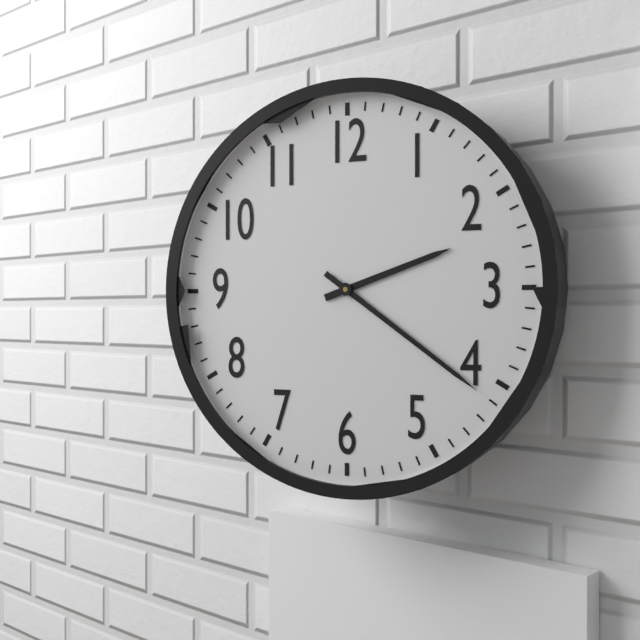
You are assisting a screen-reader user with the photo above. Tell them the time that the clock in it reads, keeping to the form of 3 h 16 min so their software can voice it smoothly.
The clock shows 2 h 21 min
